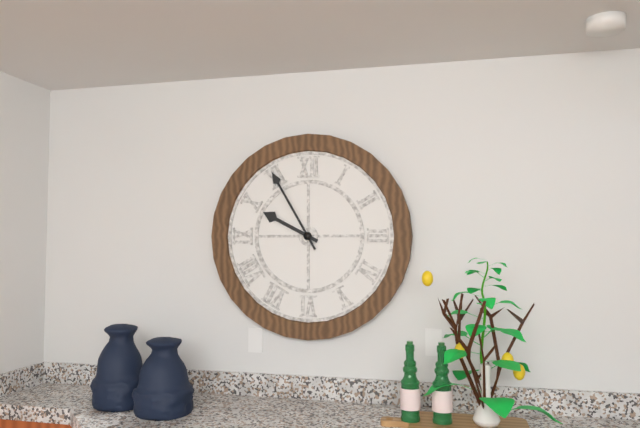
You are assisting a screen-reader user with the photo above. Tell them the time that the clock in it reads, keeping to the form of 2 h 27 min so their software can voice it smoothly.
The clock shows 9 h 55 min
